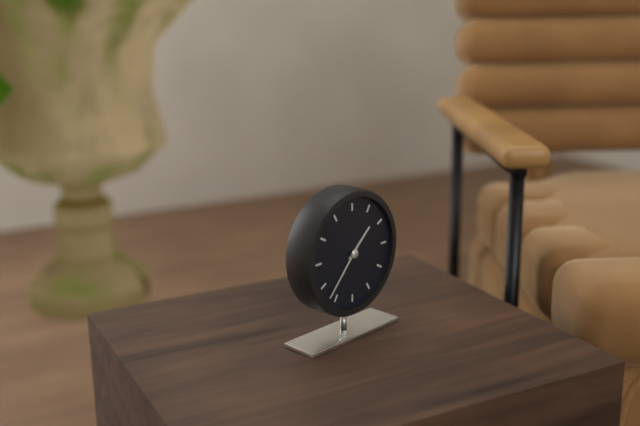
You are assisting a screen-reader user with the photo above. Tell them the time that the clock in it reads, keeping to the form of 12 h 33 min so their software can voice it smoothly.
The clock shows 1 h 37 min
